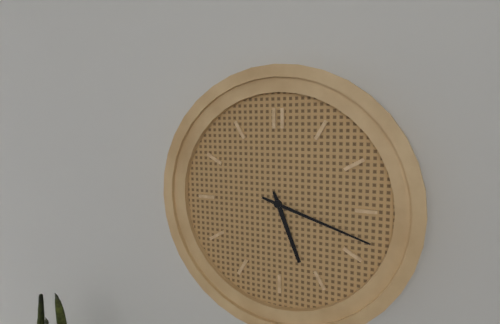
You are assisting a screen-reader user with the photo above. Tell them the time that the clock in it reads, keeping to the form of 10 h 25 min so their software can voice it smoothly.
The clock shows 5 h 18 min
